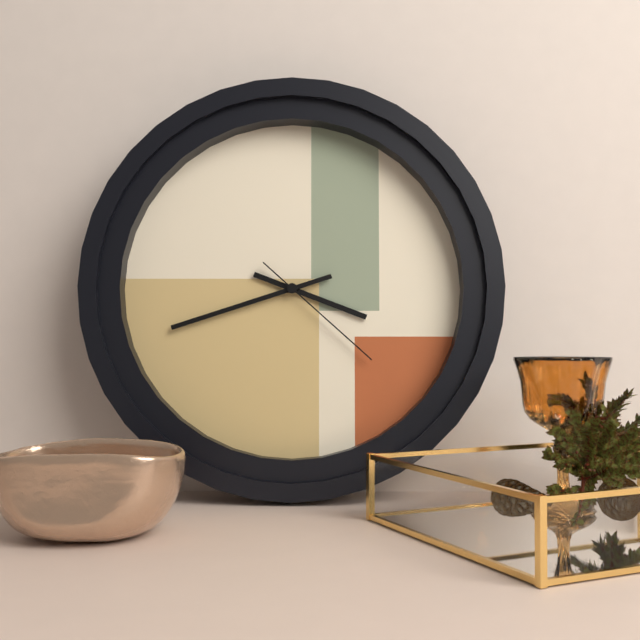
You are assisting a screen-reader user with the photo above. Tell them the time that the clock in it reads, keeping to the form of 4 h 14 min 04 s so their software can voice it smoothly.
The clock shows 3 h 42 min 22 s
